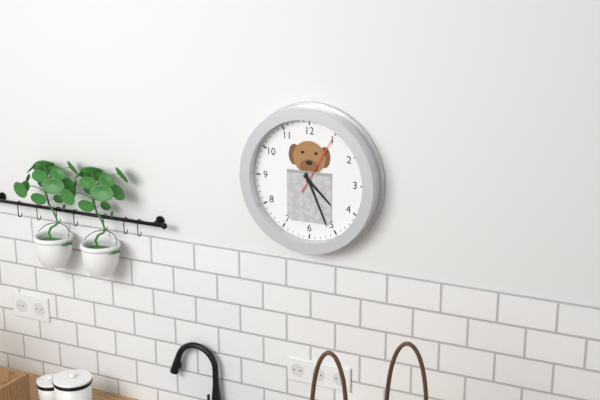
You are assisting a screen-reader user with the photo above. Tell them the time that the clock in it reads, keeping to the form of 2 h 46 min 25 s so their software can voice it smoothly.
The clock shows 4 h 26 min 05 s
